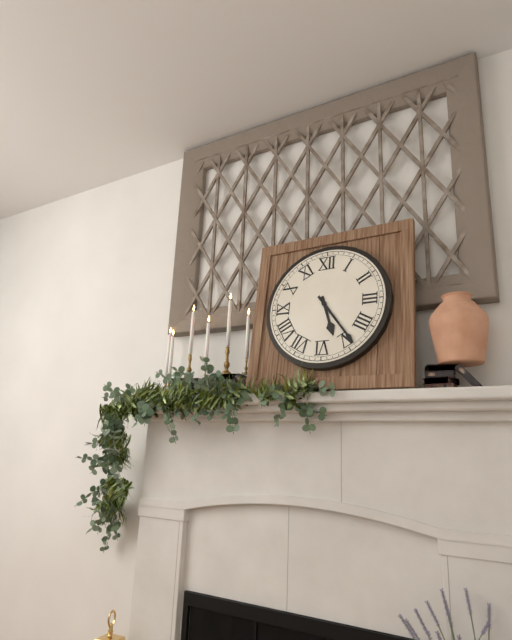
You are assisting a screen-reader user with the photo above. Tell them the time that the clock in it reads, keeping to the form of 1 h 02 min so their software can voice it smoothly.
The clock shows 5 h 24 min
